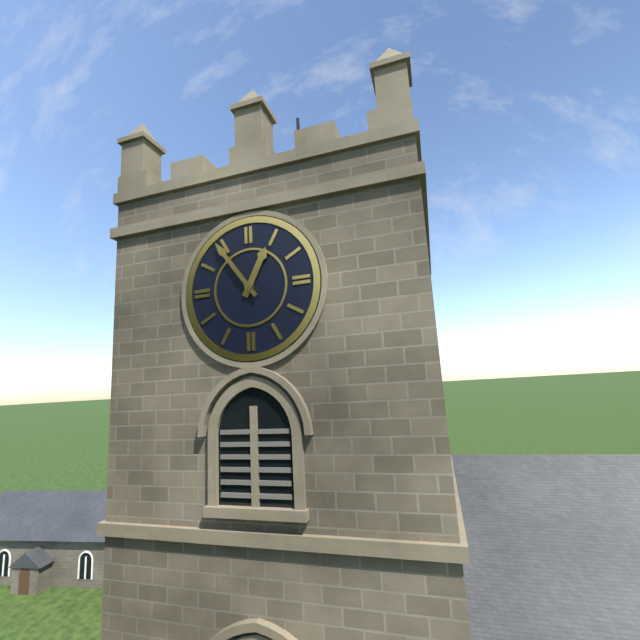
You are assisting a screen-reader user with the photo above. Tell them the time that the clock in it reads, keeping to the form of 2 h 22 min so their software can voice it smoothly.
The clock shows 12 h 54 min
